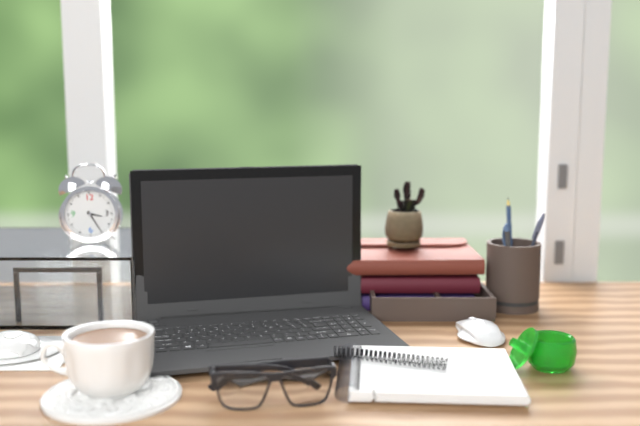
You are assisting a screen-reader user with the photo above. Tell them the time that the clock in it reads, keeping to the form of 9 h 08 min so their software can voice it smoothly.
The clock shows 3 h 25 min
